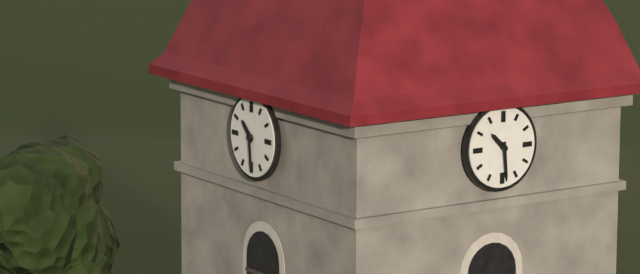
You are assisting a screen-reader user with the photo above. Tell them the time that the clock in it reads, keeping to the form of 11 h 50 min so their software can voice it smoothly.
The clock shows 10 h 29 min
